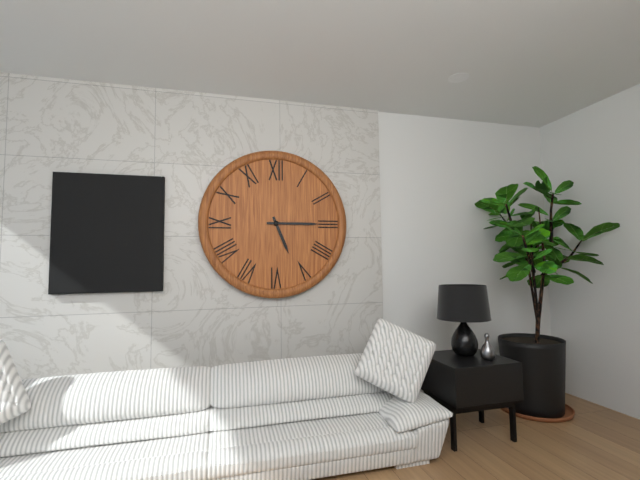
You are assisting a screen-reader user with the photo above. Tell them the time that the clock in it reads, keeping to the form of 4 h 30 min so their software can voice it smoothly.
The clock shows 5 h 15 min
